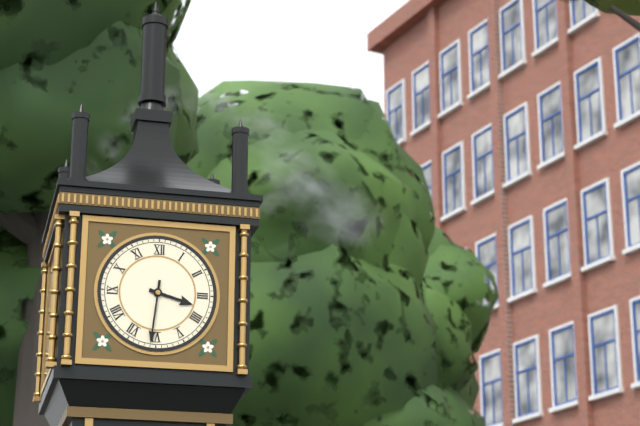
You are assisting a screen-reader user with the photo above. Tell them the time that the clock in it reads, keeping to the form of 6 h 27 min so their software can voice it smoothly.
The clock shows 3 h 31 min
